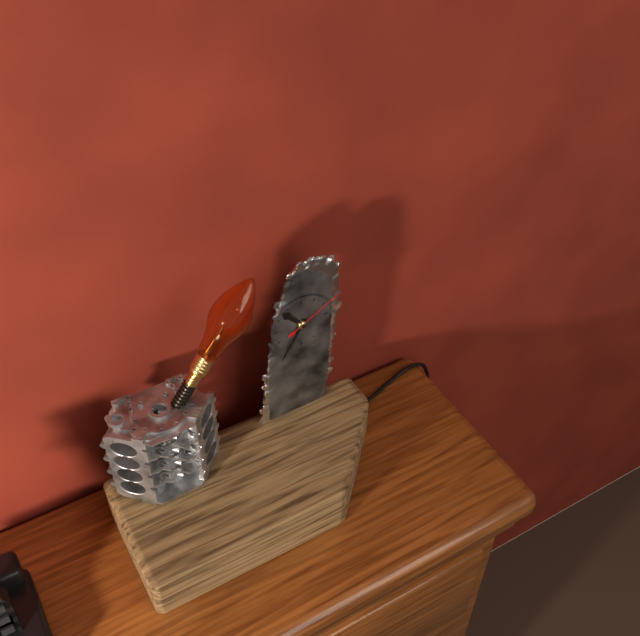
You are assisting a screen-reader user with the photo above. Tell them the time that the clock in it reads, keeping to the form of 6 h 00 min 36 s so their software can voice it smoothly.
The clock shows 10 h 35 min 10 s
